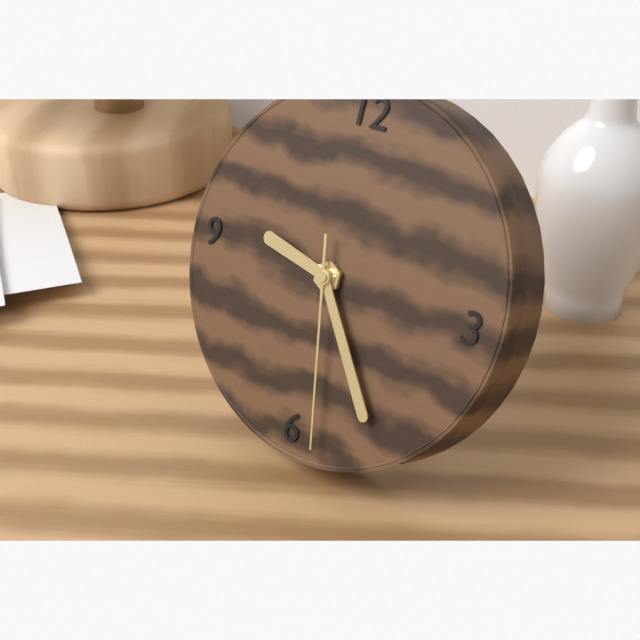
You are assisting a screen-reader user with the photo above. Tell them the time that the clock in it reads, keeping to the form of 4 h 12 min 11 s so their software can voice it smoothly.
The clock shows 9 h 24 min 28 s
